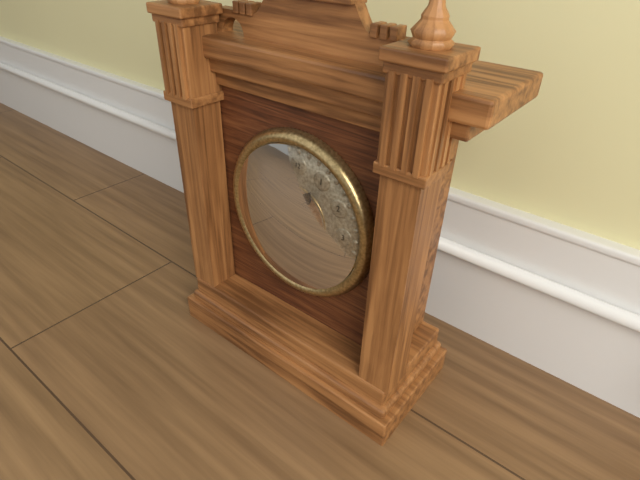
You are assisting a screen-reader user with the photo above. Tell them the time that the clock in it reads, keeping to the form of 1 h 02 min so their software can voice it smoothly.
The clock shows 12 h 57 min
